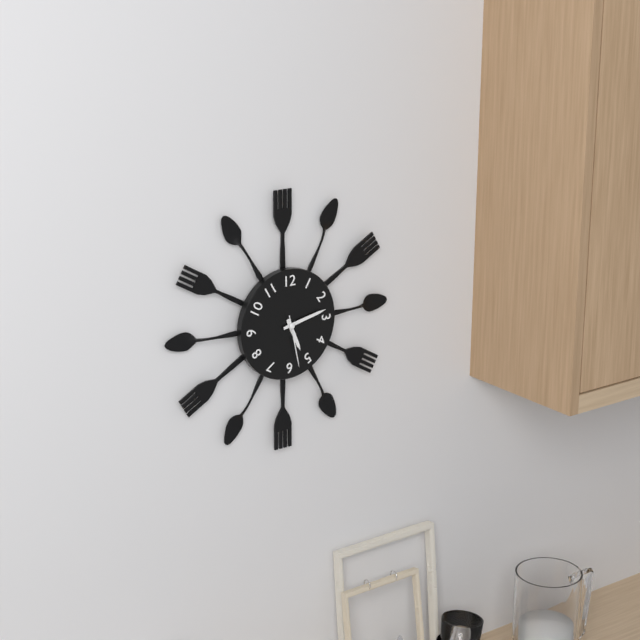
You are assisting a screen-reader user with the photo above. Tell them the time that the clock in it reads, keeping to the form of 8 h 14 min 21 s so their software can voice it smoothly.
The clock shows 5 h 13 min 28 s
